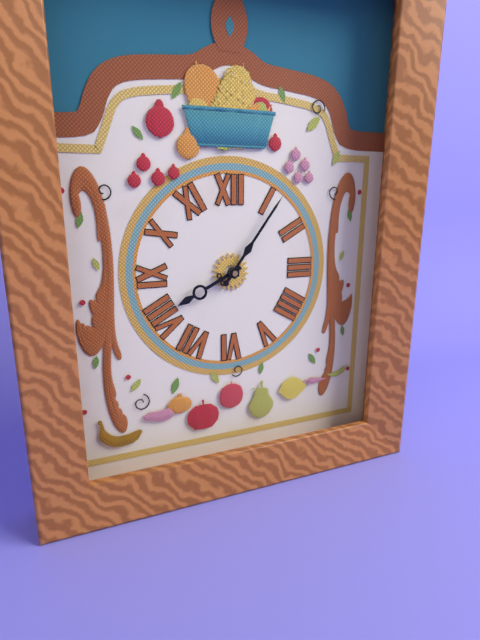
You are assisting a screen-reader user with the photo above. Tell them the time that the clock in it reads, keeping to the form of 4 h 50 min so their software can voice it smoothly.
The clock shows 8 h 06 min
